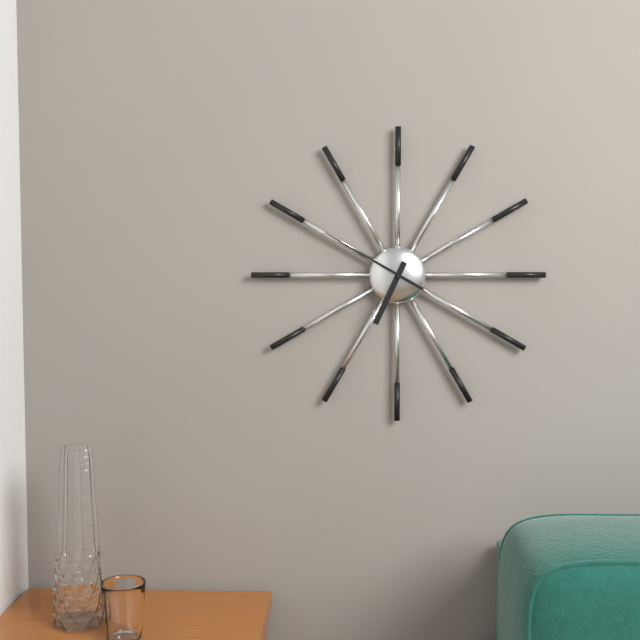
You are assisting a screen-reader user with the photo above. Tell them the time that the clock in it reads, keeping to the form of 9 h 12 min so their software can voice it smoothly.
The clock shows 6 h 50 min
